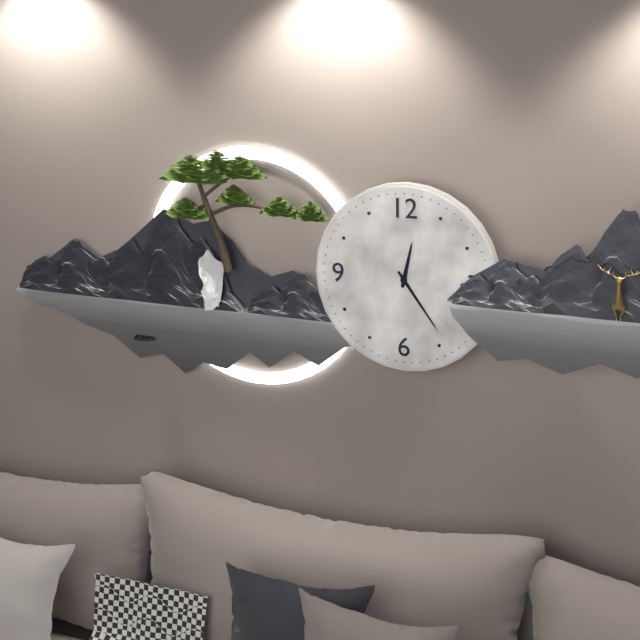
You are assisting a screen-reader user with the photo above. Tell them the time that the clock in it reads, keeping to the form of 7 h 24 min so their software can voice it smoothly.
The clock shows 12 h 24 min
